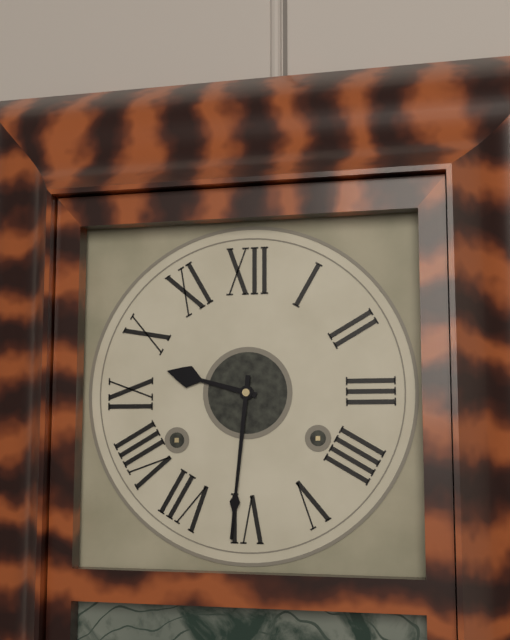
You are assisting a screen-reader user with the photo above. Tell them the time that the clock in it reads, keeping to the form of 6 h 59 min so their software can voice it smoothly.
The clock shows 9 h 31 min
